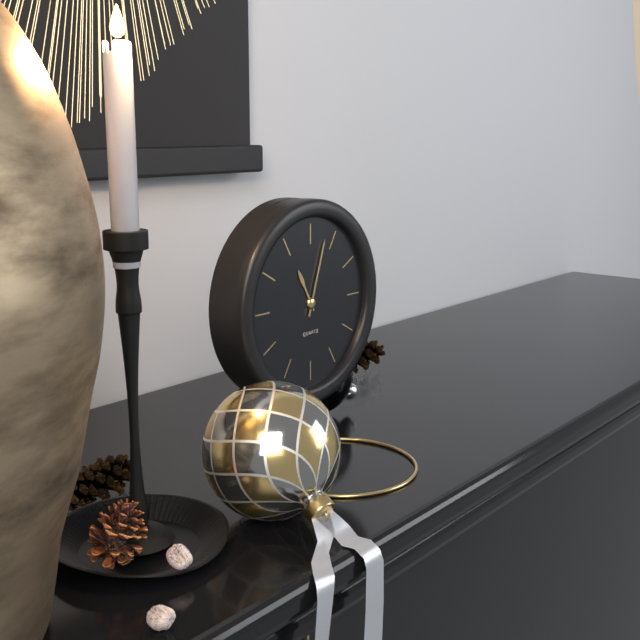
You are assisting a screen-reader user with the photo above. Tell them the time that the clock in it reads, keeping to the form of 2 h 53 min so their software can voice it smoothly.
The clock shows 11 h 03 min
